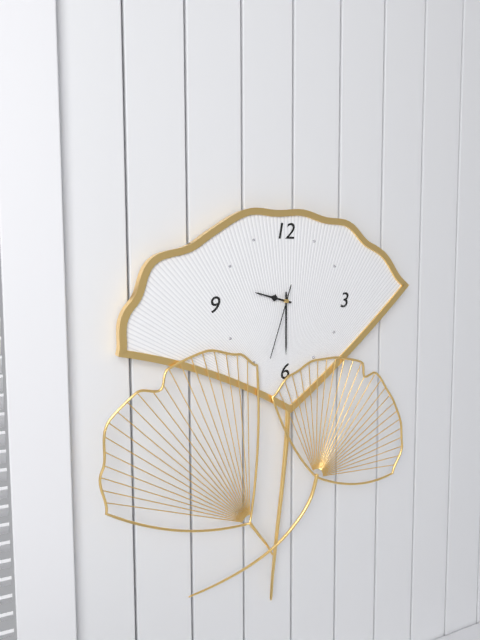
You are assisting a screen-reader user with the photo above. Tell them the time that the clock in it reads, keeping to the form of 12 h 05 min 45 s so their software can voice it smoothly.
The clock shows 9 h 30 min 33 s
